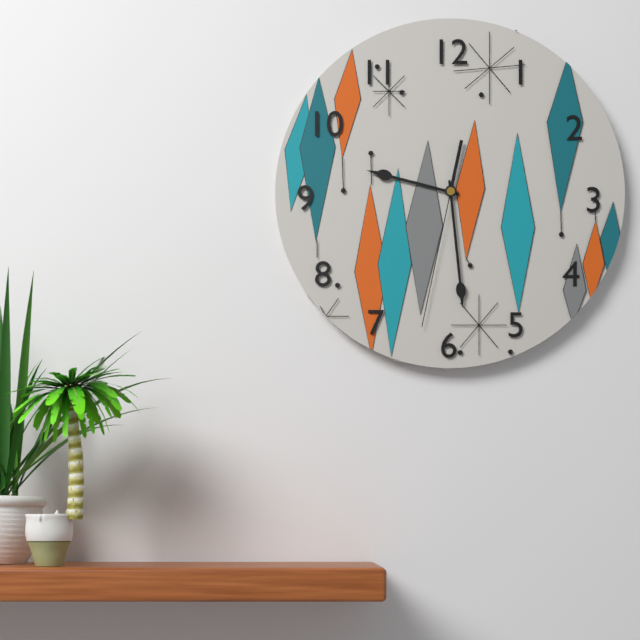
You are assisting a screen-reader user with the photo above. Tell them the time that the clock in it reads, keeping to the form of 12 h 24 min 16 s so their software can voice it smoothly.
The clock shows 9 h 29 min 32 s
